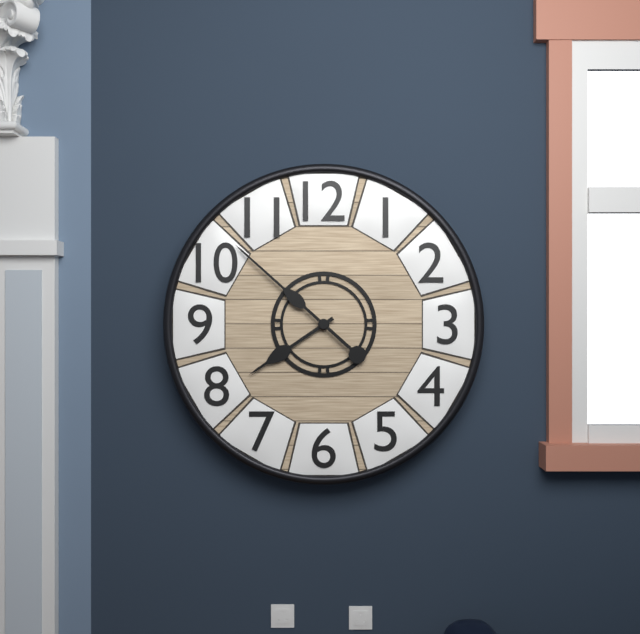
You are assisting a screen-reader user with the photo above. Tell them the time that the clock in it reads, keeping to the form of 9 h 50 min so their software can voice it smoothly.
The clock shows 7 h 52 min
